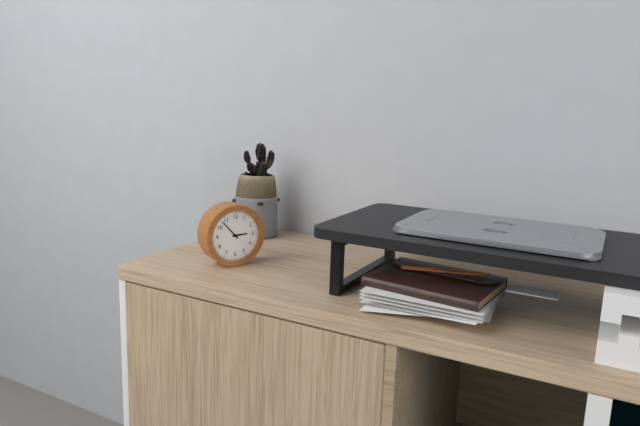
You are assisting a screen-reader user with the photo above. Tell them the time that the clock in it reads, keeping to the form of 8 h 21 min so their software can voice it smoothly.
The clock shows 2 h 53 min
